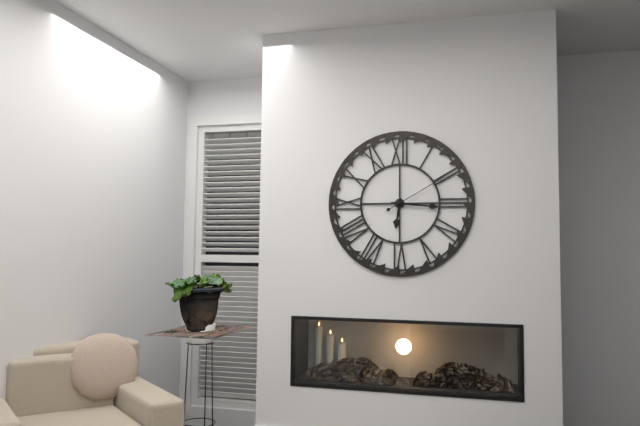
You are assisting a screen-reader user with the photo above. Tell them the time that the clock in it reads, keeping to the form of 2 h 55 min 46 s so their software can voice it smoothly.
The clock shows 6 h 16 min 10 s
